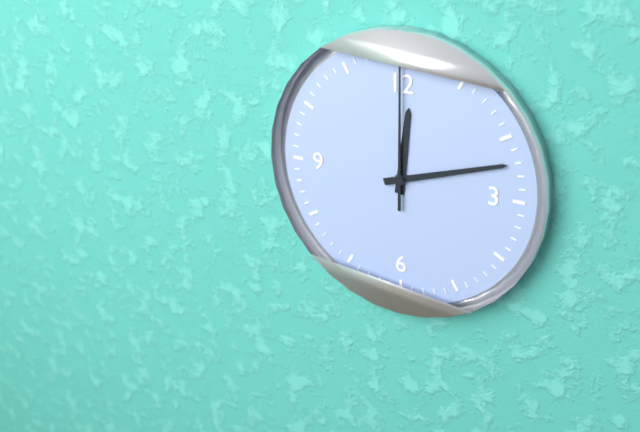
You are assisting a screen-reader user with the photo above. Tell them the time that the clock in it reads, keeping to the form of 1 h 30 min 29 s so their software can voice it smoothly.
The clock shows 12 h 12 min 00 s
